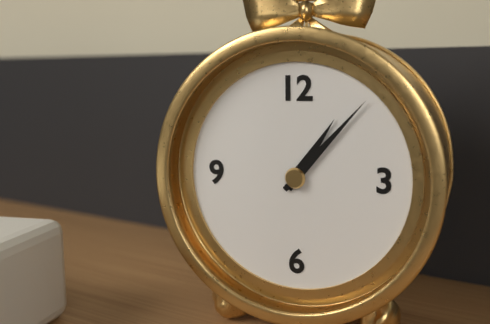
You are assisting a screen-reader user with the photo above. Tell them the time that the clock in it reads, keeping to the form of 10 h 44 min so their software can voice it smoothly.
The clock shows 1 h 07 min
